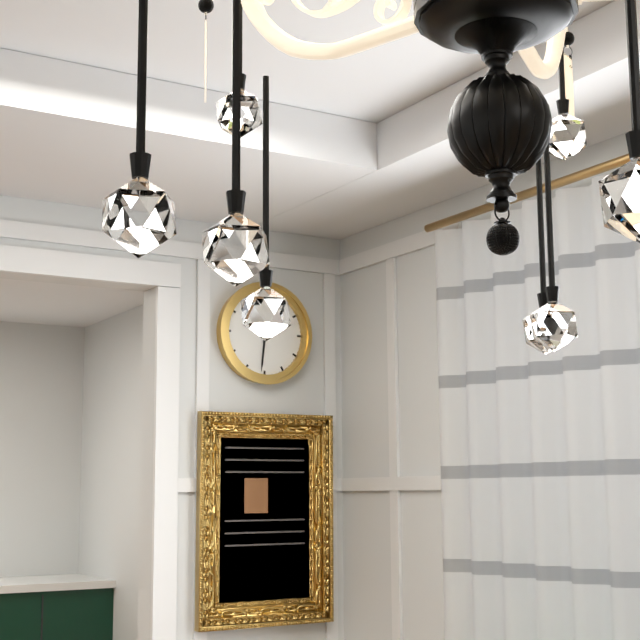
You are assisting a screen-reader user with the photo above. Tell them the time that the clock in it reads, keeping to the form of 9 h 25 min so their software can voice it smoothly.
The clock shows 9 h 31 min
